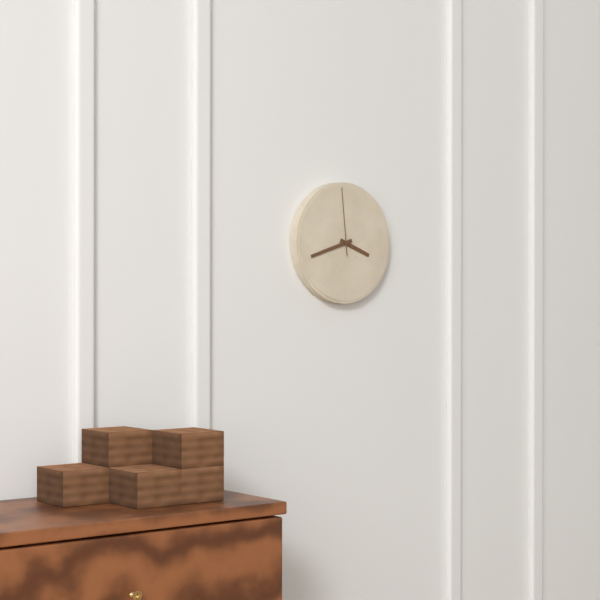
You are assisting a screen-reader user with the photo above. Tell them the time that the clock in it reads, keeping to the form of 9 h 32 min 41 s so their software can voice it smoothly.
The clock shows 3 h 42 min 59 s
